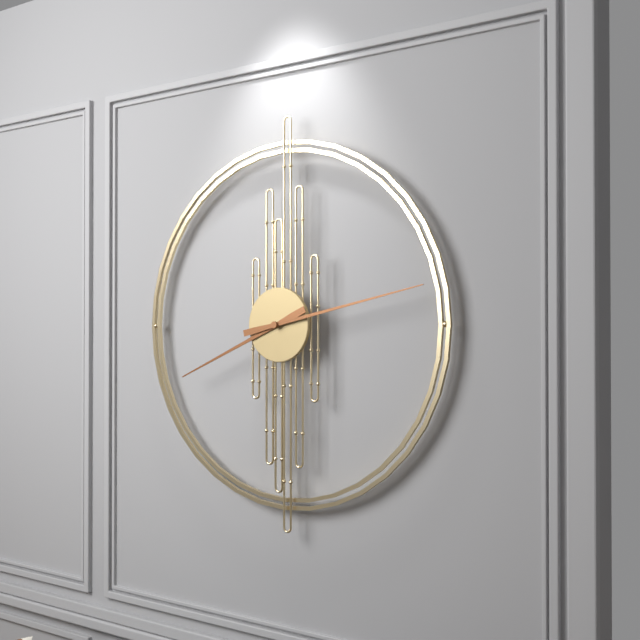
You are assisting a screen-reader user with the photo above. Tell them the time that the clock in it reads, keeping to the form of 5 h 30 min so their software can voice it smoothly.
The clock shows 8 h 13 min
